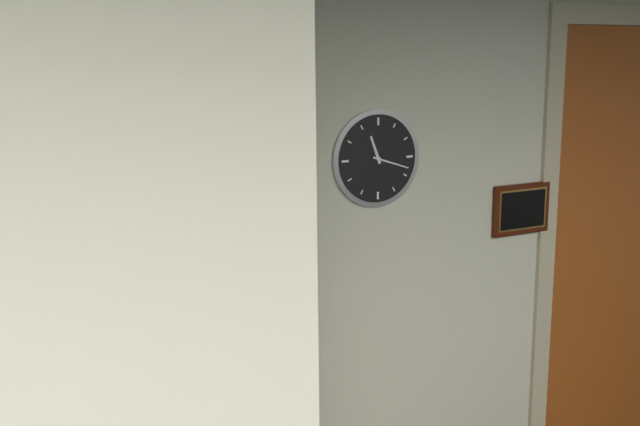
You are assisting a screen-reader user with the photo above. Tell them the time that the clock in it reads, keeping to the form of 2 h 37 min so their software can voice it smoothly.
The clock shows 11 h 18 min
